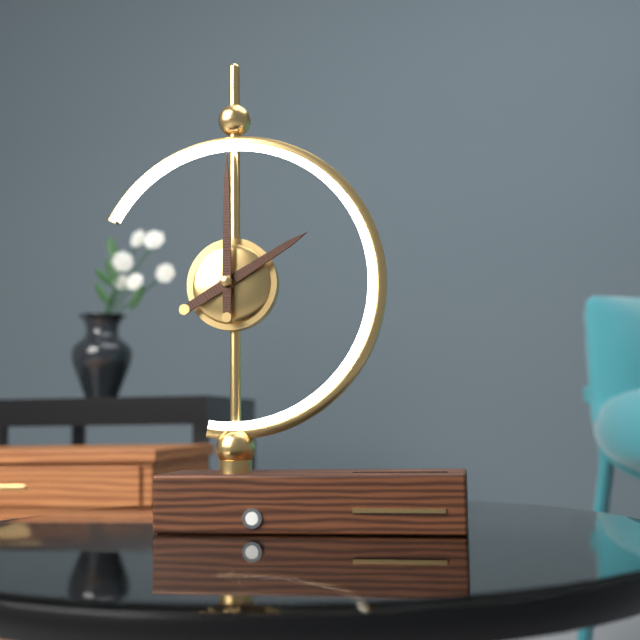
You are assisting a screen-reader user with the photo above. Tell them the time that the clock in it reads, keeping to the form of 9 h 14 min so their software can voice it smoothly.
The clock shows 2 h 00 min
